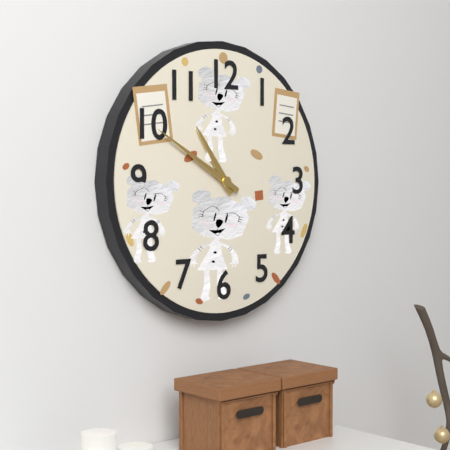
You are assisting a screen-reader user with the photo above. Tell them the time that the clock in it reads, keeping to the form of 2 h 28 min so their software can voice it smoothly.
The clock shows 10 h 50 min
